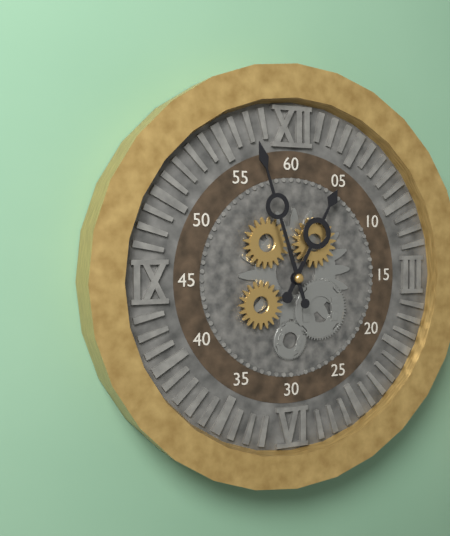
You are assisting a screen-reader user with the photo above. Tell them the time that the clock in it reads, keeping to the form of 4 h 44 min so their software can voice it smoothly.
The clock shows 12 h 57 min
